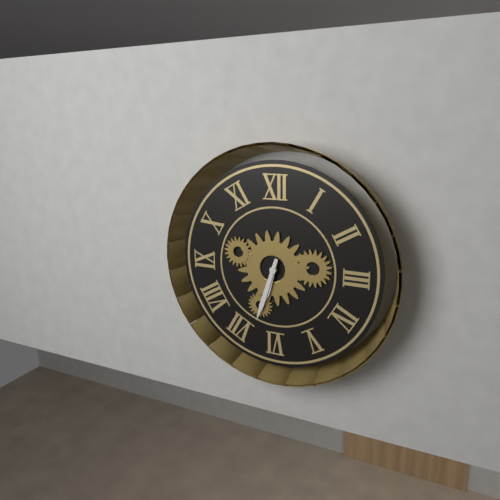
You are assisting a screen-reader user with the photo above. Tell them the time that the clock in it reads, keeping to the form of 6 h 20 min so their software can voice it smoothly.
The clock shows 6 h 33 min
